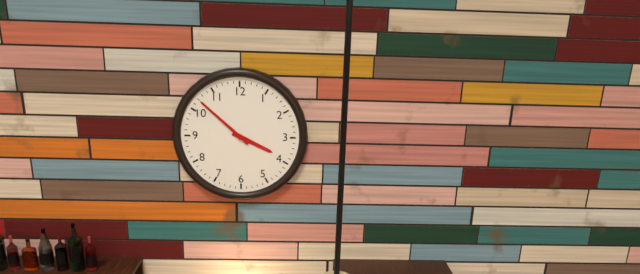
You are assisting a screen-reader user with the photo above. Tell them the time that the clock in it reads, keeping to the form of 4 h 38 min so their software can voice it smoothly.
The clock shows 3 h 52 min
